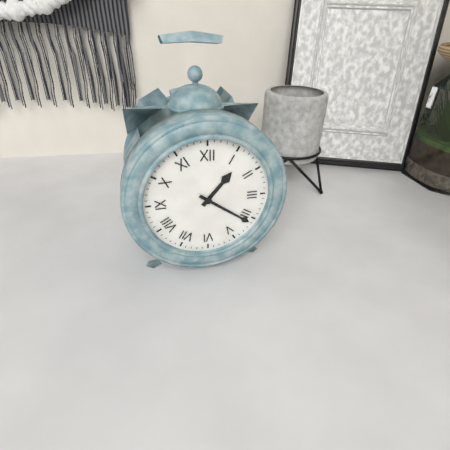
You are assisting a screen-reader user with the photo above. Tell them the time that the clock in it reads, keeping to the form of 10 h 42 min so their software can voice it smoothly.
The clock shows 1 h 21 min
